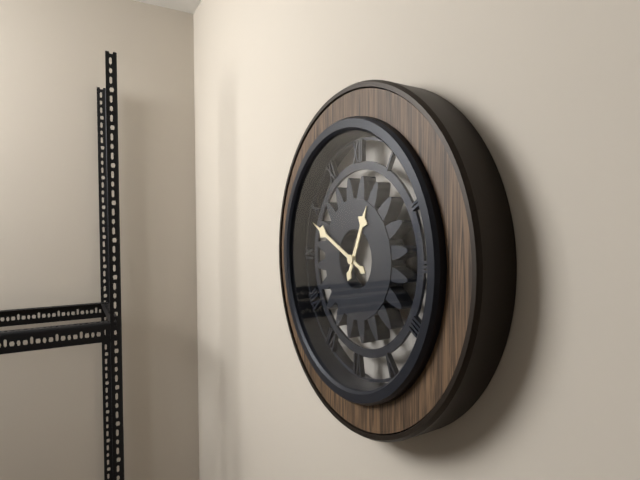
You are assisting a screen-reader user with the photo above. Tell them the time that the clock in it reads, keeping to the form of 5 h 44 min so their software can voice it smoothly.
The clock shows 12 h 49 min
